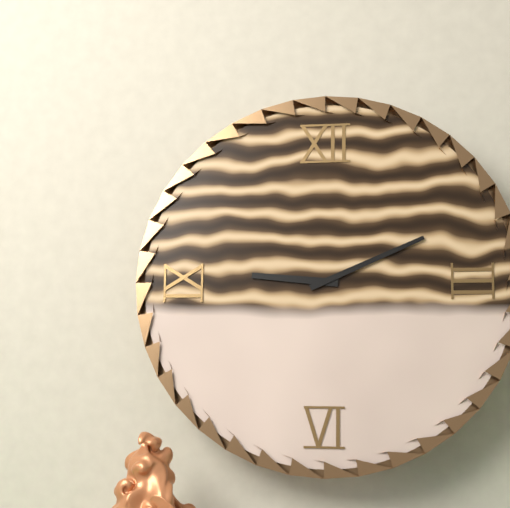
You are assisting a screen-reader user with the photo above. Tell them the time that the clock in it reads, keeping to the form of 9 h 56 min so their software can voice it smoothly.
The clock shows 9 h 11 min
